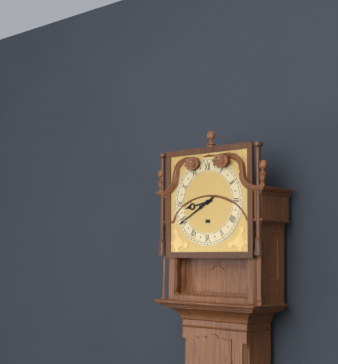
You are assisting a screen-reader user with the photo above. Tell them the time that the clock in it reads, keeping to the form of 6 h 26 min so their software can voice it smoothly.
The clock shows 8 h 40 min
